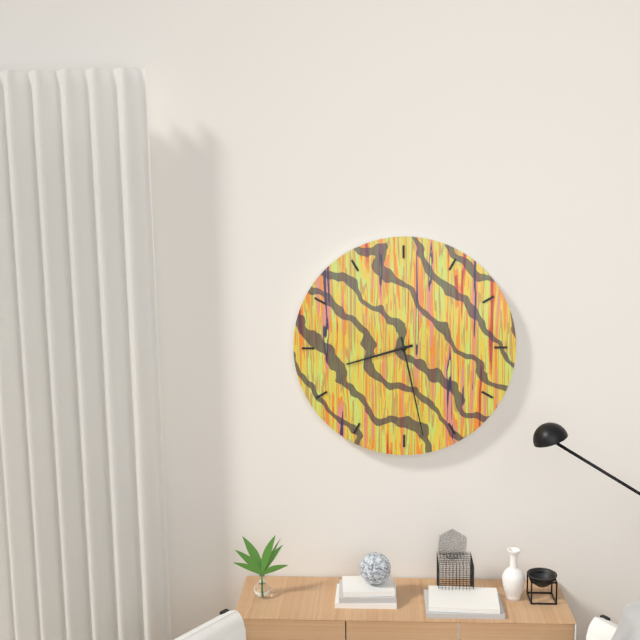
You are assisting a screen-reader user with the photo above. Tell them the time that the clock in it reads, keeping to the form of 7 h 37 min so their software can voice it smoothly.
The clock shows 8 h 28 min
